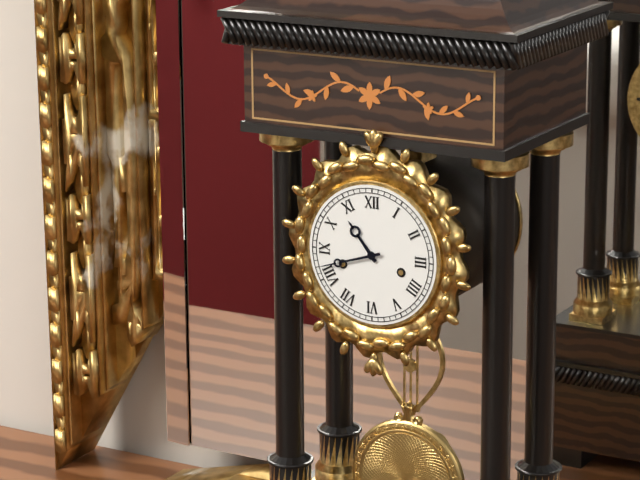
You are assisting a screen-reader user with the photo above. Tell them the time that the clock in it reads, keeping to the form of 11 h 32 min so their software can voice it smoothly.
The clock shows 10 h 42 min
